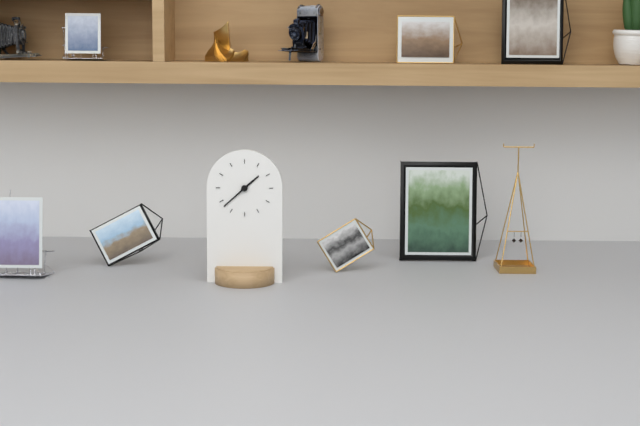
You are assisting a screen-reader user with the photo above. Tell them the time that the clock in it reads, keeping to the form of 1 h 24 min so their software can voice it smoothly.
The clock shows 1 h 38 min
